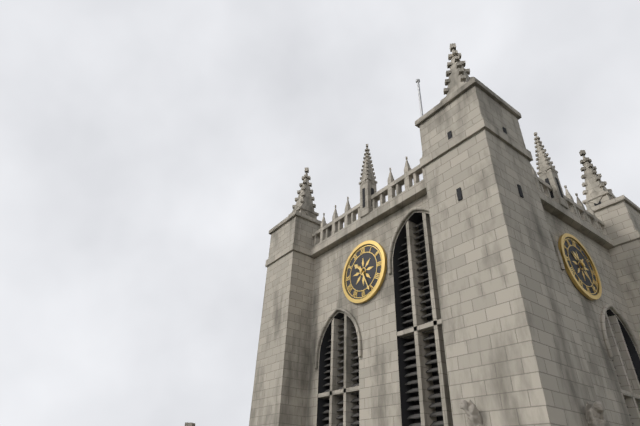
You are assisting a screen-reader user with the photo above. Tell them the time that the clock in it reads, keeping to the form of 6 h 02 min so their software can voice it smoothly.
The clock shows 10 h 26 min
